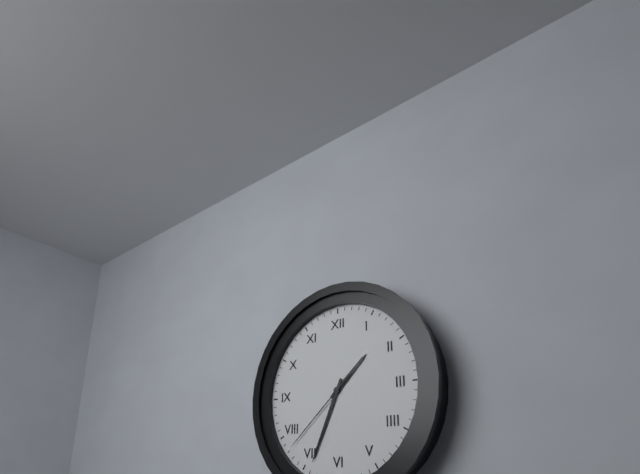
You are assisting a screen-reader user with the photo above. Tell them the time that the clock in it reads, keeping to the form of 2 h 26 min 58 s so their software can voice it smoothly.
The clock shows 1 h 34 min 38 s
